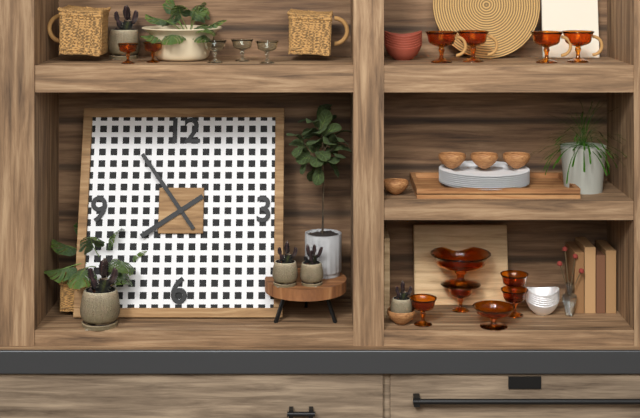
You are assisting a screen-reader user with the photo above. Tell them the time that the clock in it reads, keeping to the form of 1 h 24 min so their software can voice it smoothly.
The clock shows 7 h 54 min
